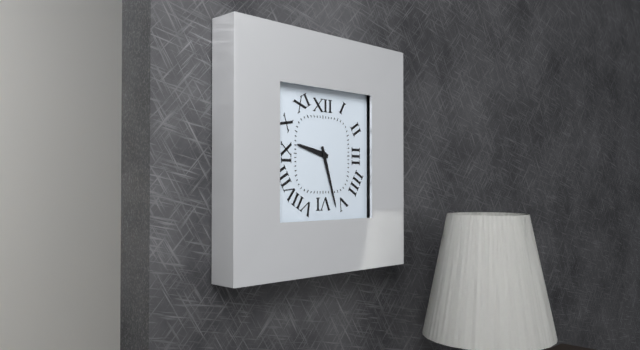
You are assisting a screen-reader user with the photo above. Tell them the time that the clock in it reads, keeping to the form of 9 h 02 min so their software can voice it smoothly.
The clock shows 9 h 27 min
